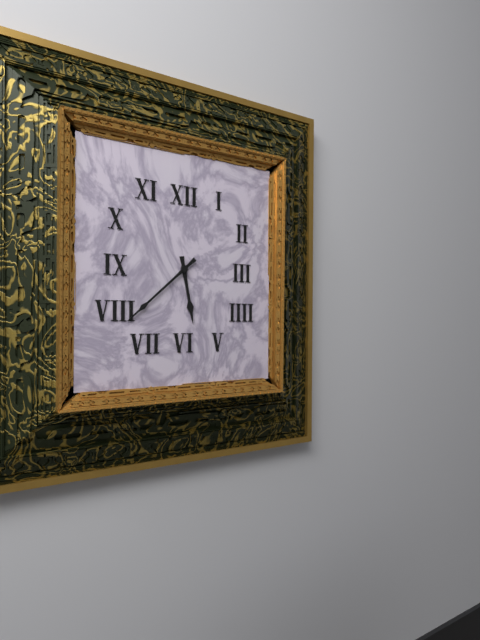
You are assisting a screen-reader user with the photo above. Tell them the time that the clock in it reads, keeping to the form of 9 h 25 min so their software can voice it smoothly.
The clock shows 5 h 38 min
